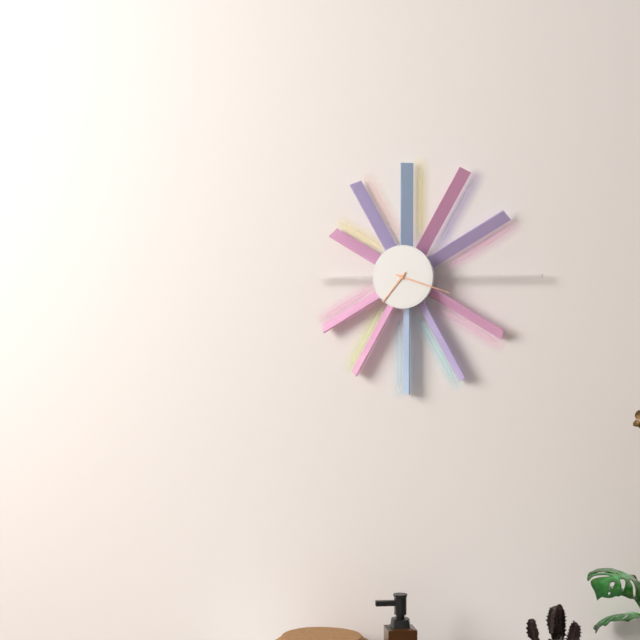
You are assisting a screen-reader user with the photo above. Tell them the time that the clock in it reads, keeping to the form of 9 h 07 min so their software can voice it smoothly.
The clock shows 7 h 18 min
